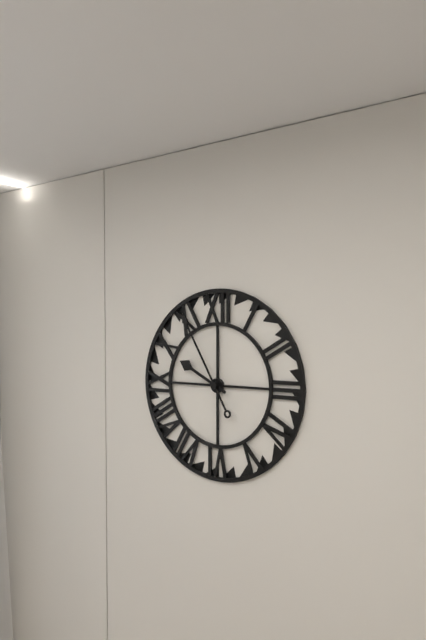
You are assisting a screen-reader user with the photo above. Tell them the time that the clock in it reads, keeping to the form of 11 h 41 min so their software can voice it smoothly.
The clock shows 9 h 55 min
